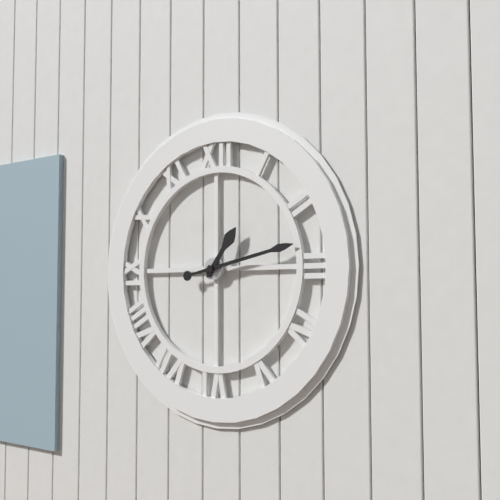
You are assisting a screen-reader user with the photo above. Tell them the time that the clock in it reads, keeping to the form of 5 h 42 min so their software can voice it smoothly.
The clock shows 1 h 13 min
